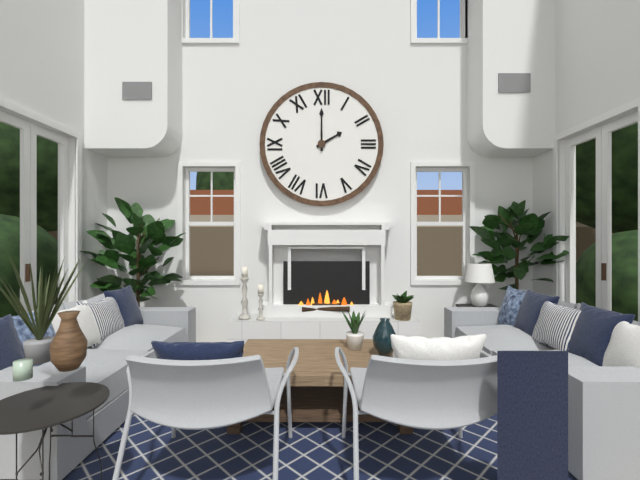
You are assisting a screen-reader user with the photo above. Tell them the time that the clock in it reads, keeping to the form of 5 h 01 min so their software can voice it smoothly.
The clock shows 2 h 00 min
